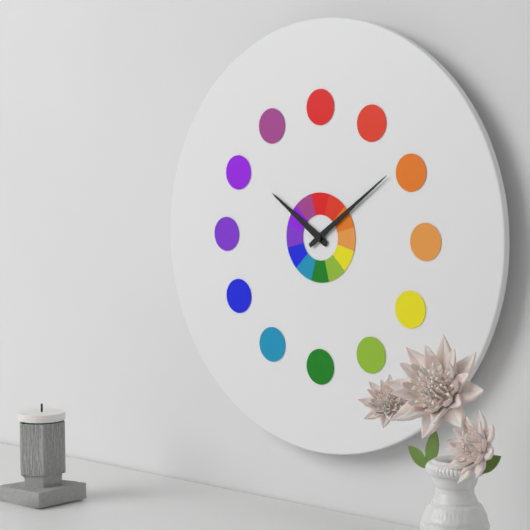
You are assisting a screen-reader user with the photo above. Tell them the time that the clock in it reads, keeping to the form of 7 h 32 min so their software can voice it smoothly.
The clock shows 10 h 09 min
